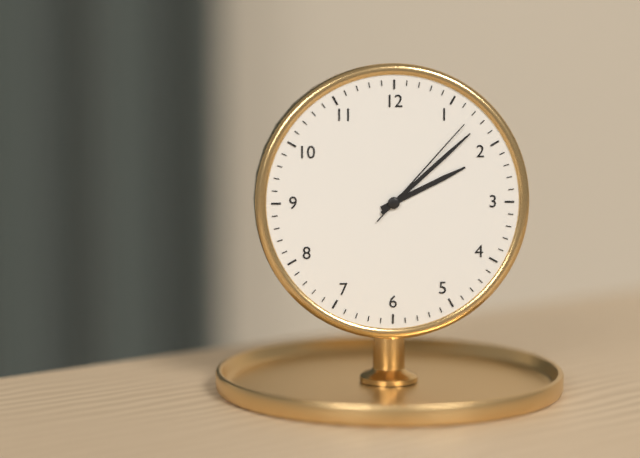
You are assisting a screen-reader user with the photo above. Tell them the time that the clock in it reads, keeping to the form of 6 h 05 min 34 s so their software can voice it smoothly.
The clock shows 2 h 08 min 07 s
